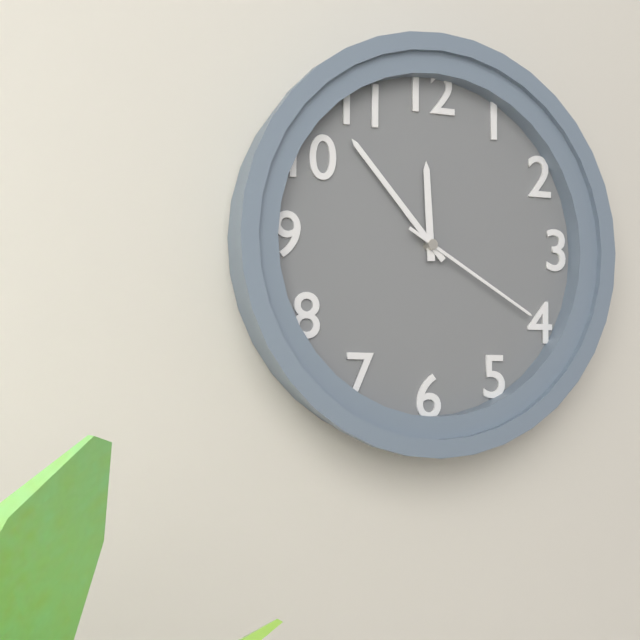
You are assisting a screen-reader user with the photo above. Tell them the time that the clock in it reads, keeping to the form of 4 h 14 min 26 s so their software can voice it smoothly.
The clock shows 11 h 53 min 20 s
